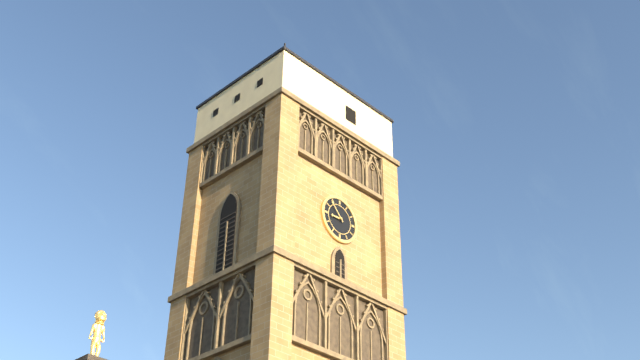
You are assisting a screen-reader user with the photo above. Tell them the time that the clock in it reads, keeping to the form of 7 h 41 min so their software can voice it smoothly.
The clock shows 8 h 53 min
